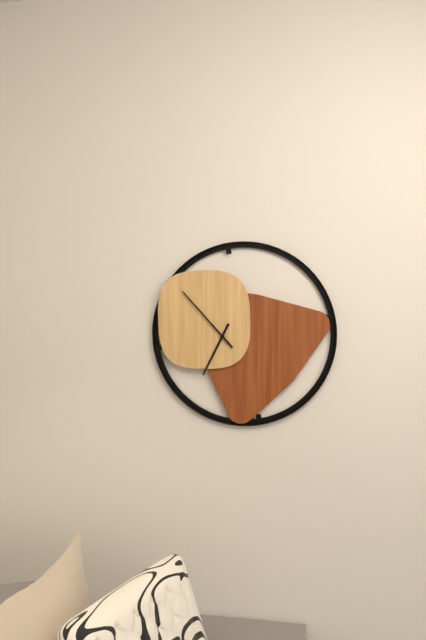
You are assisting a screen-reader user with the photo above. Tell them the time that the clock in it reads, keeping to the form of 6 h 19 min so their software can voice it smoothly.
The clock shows 6 h 53 min
